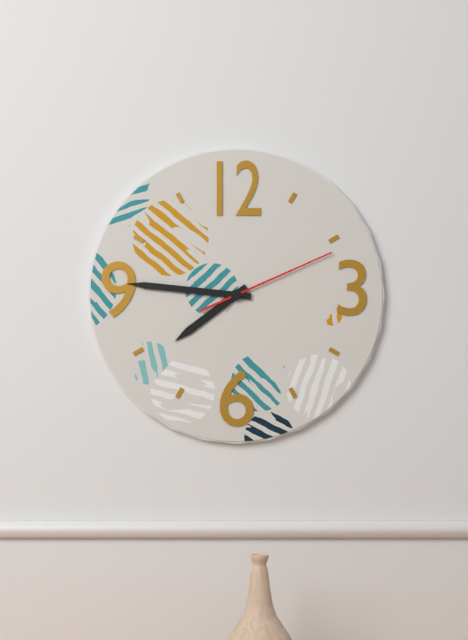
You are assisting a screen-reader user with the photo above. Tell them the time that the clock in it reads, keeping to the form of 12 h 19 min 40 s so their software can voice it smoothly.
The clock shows 7 h 46 min 11 s
